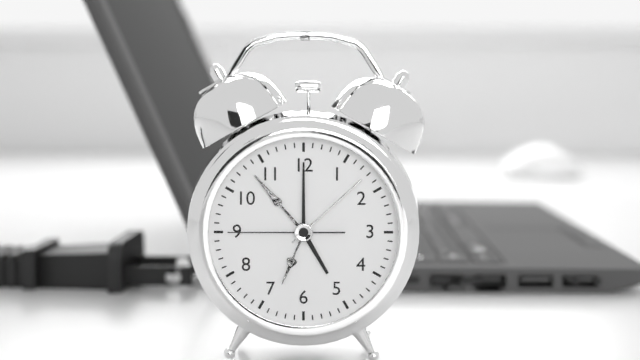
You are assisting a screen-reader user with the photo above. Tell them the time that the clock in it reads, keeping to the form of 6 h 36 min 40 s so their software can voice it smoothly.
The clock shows 5 h 00 min 45 s
